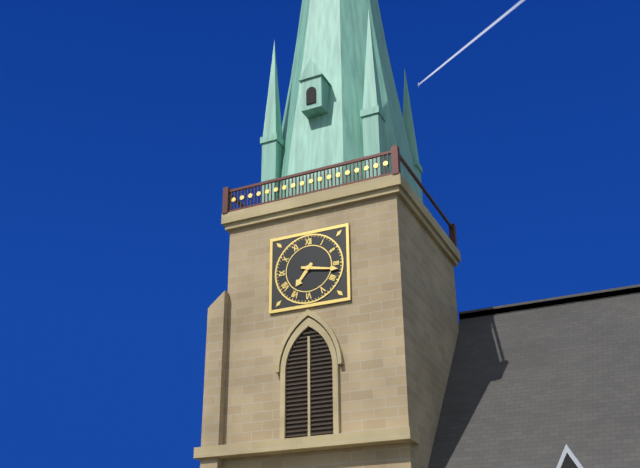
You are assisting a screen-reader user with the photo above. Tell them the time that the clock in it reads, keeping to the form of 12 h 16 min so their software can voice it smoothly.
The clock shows 7 h 17 min
